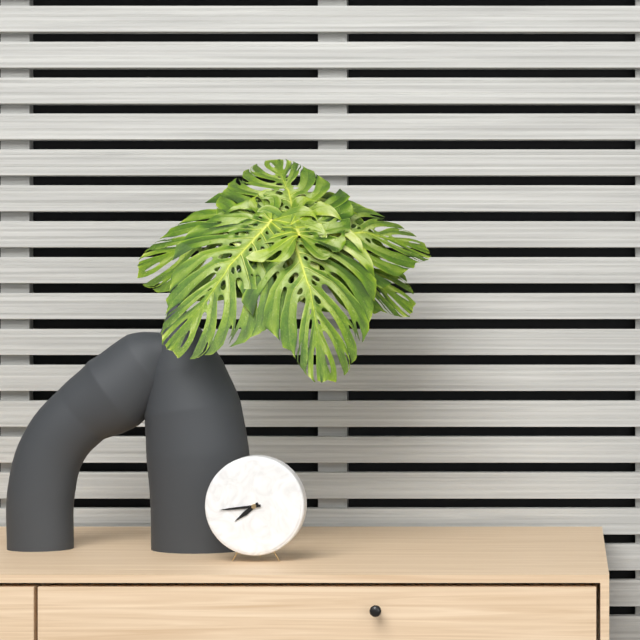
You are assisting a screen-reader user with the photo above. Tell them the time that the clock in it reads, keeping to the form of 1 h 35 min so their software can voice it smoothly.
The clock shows 7 h 44 min
